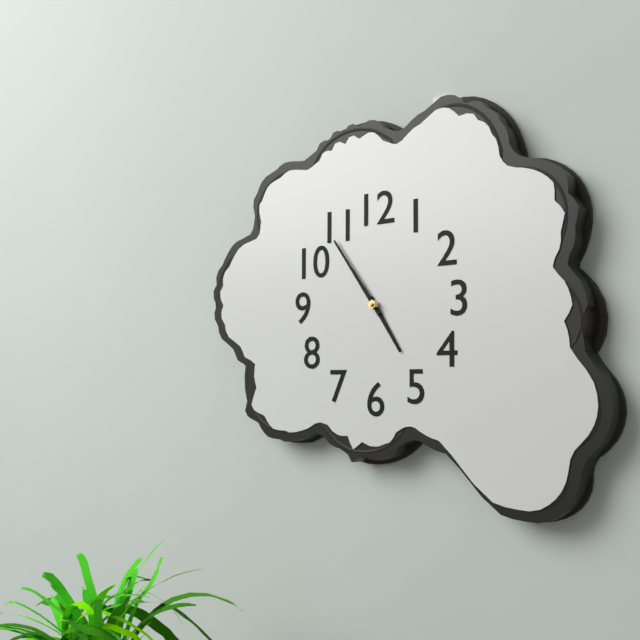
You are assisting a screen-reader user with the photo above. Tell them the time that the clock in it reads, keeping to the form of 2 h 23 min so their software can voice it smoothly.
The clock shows 4 h 54 min
